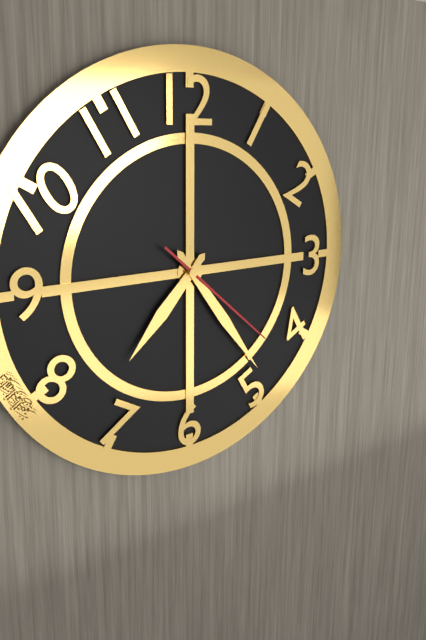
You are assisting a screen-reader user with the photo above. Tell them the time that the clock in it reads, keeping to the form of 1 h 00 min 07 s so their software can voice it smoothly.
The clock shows 7 h 24 min 22 s
